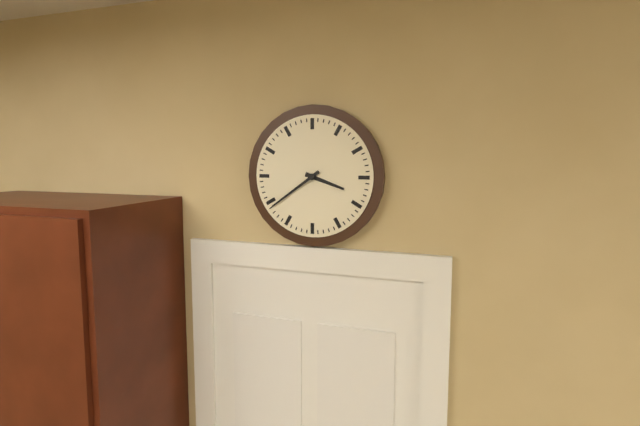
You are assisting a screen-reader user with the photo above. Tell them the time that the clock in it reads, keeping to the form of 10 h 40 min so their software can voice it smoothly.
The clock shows 3 h 39 min
